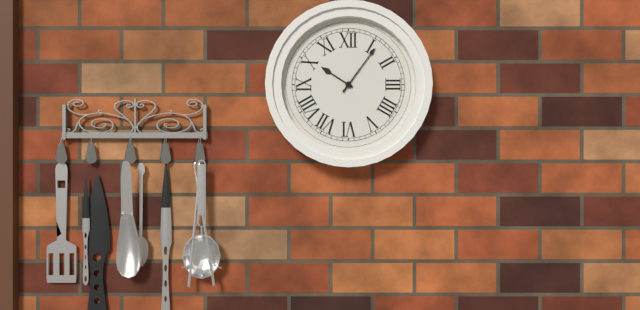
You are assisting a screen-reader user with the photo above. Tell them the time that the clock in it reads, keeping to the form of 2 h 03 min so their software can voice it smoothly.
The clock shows 10 h 06 min
